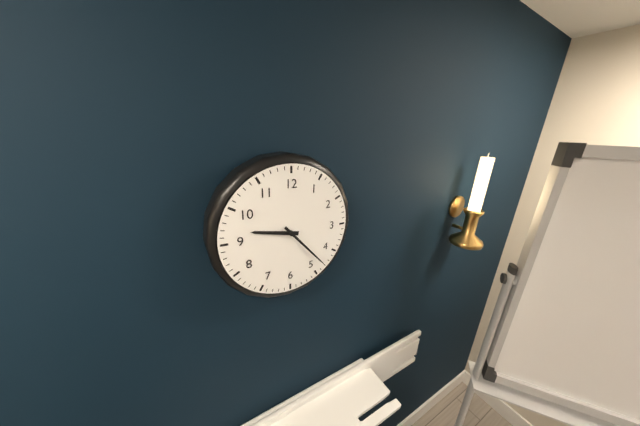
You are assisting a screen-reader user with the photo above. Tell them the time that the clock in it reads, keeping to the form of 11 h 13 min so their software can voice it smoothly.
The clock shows 9 h 23 min
